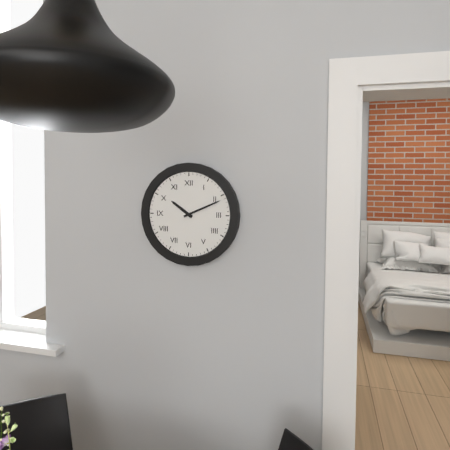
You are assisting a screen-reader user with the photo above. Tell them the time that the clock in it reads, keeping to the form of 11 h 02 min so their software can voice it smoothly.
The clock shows 10 h 11 min
